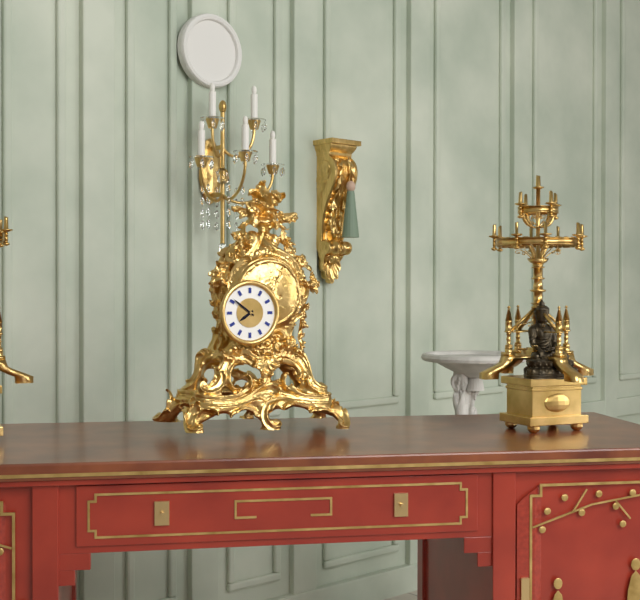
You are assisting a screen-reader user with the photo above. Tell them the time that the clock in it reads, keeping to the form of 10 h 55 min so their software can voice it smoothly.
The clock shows 7 h 51 min
